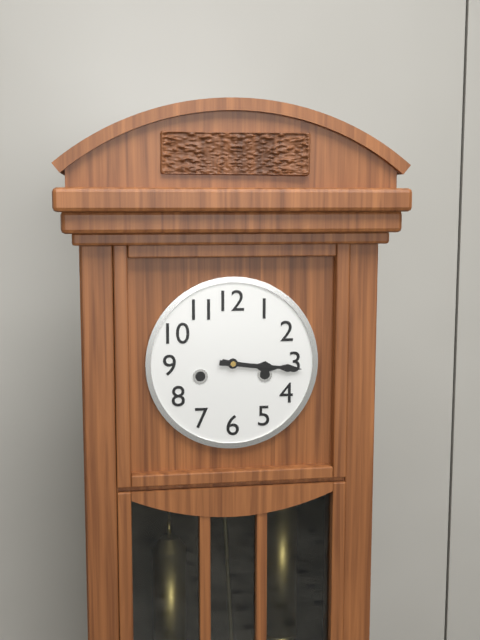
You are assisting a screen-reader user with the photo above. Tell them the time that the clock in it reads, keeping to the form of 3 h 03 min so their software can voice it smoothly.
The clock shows 3 h 16 min
